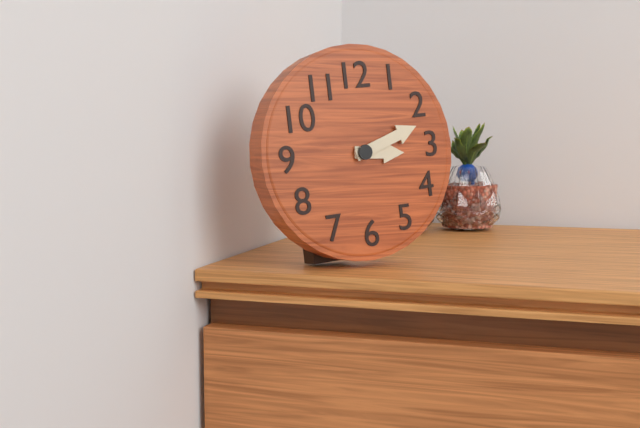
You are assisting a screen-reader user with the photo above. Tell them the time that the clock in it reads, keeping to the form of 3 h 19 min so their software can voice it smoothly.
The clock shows 3 h 12 min
